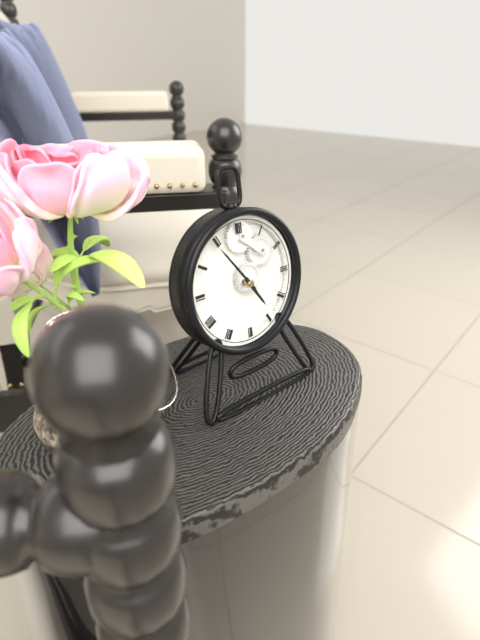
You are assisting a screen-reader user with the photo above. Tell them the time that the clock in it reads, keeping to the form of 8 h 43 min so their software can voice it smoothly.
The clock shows 4 h 54 min
